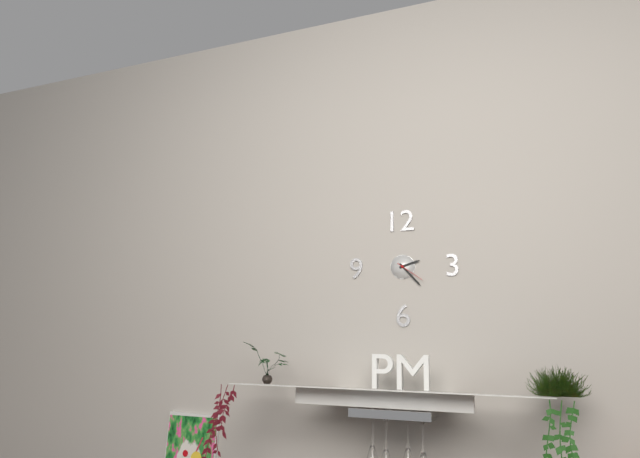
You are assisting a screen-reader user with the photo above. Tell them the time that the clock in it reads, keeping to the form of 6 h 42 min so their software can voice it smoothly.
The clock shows 2 h 23 min
